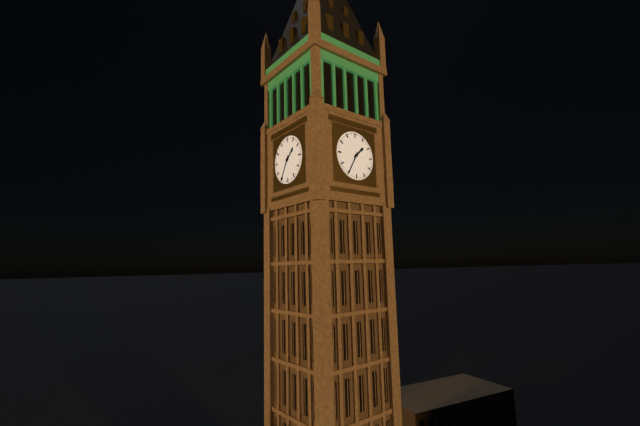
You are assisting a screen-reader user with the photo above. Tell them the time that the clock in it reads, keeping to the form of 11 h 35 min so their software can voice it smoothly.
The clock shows 1 h 35 min
